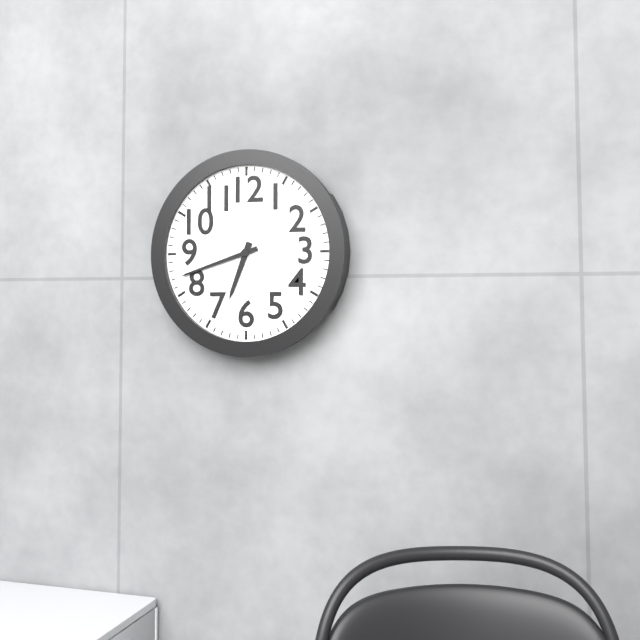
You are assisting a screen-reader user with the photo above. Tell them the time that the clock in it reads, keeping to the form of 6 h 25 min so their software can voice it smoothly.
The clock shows 6 h 42 min
